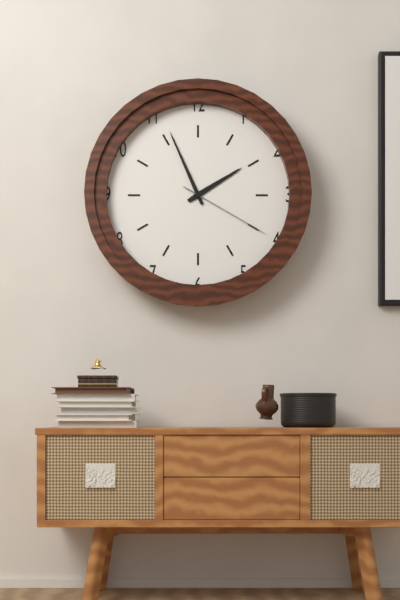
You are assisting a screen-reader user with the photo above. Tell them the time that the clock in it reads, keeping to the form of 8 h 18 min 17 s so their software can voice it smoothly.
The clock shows 1 h 56 min 20 s
